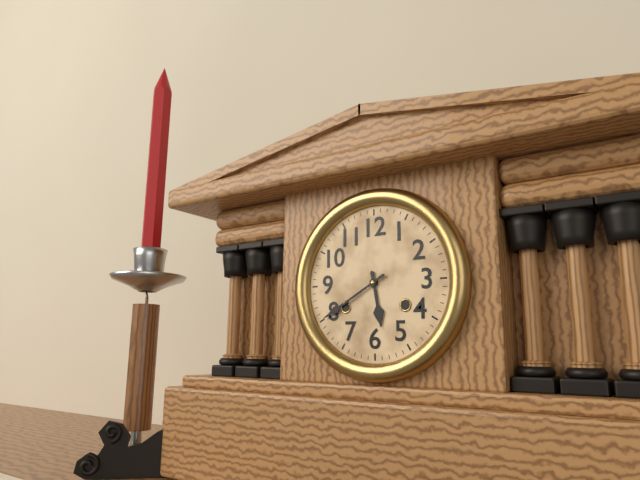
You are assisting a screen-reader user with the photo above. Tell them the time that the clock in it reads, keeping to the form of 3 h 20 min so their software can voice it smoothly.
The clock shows 5 h 40 min
